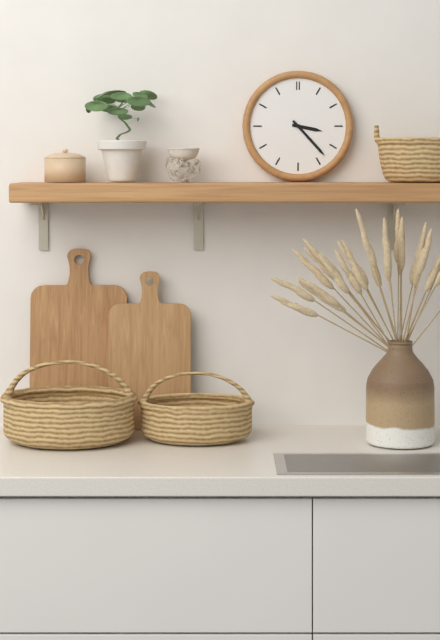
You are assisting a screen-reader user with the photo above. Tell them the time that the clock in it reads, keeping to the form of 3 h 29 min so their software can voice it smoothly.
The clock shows 3 h 23 min
